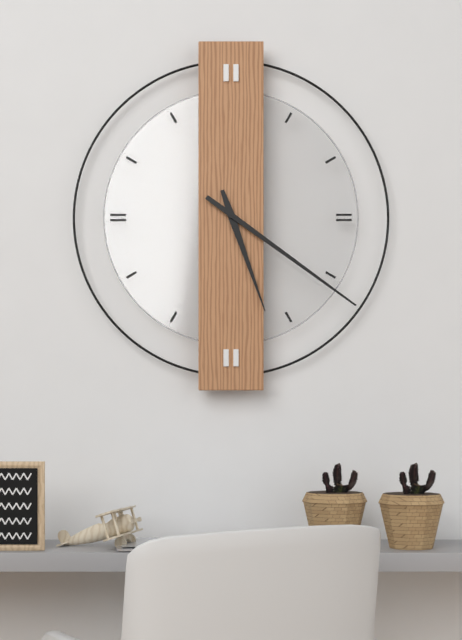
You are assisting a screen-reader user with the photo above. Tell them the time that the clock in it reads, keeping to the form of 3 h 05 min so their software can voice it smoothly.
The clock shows 5 h 21 min
